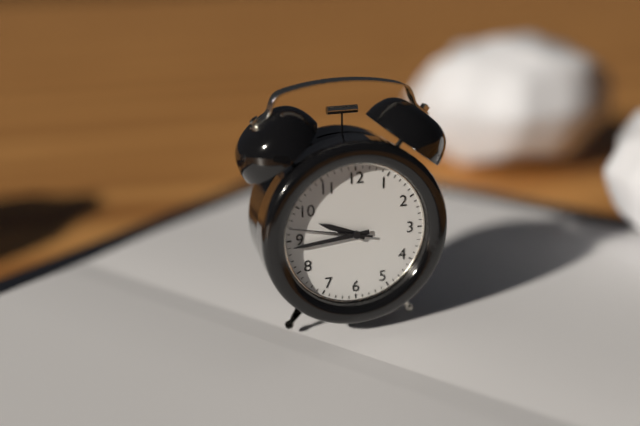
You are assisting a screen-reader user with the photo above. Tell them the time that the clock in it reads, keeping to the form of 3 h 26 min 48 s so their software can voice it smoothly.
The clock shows 9 h 44 min 47 s
